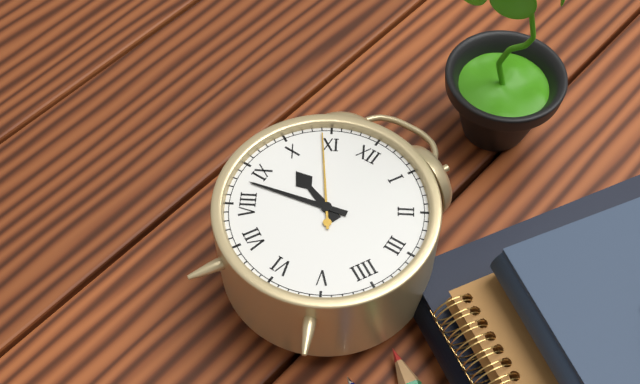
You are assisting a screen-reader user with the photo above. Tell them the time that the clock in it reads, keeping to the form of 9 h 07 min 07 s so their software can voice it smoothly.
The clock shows 9 h 43 min 54 s
